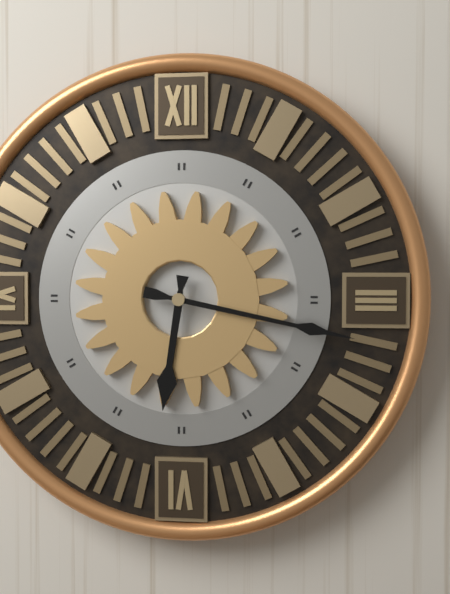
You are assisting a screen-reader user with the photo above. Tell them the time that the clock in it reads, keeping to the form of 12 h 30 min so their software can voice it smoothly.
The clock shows 6 h 17 min
